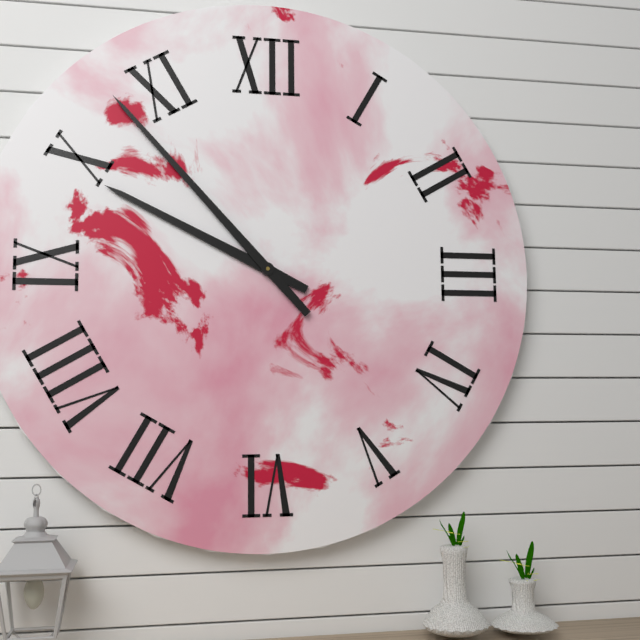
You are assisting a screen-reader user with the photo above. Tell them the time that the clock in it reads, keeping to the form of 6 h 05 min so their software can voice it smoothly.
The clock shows 9 h 53 min
